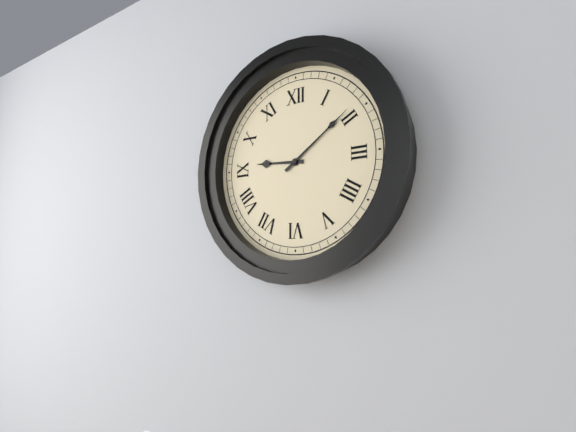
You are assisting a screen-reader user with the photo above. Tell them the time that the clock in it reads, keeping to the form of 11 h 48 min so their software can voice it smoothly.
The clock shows 9 h 09 min
